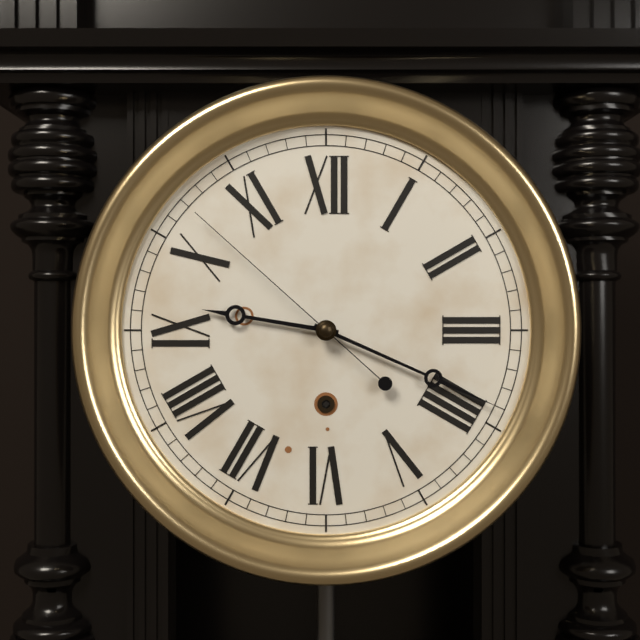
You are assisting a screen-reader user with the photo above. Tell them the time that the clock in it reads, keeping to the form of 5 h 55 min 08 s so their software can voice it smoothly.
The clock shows 9 h 19 min 52 s
